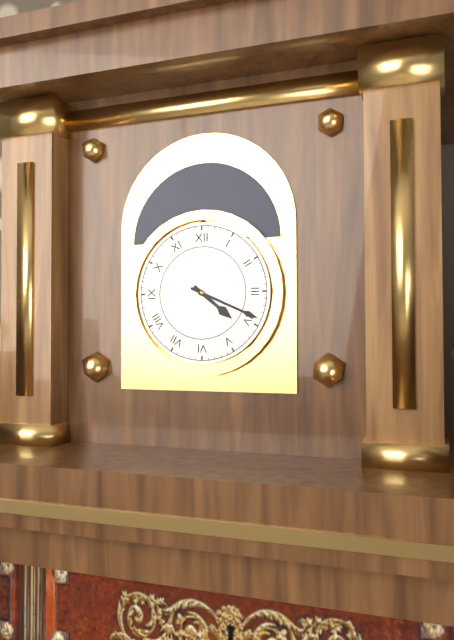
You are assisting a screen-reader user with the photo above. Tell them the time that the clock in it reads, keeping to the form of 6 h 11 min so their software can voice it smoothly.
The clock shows 4 h 19 min
